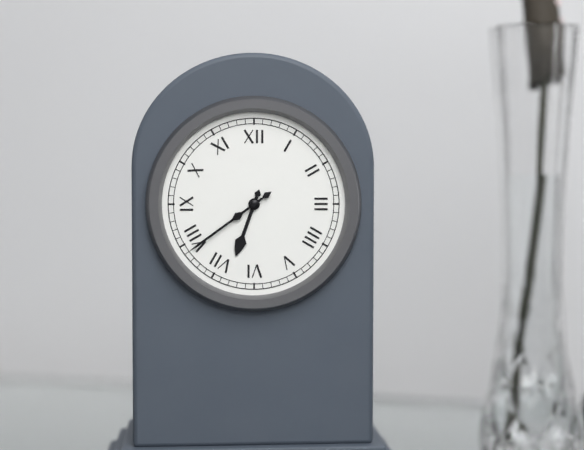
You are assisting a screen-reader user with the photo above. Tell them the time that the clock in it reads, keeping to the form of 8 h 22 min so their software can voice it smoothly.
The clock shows 6 h 39 min
